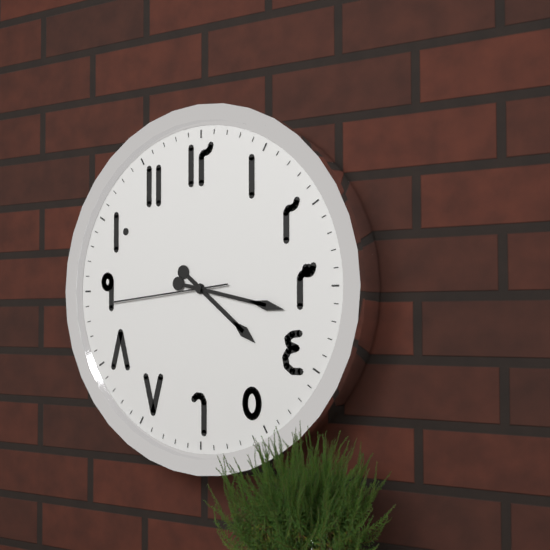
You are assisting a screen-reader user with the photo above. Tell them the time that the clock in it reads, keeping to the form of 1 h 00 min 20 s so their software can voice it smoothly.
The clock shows 4 h 17 min 44 s
